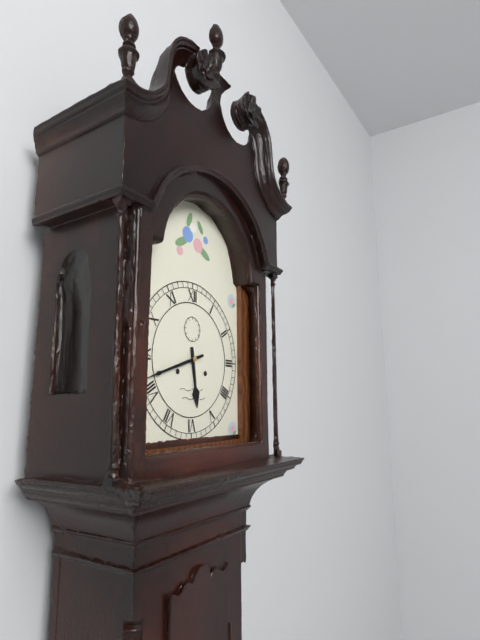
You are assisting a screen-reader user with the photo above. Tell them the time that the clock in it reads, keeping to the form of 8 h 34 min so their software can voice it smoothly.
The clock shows 5 h 42 min
